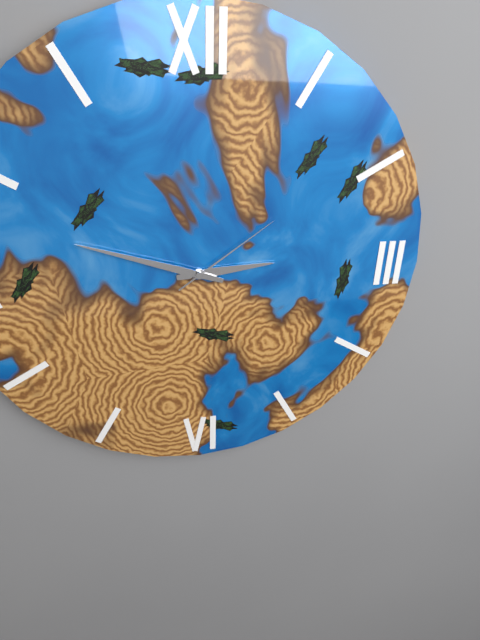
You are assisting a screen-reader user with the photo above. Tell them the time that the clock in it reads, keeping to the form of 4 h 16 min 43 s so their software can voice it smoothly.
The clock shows 2 h 48 min 09 s
